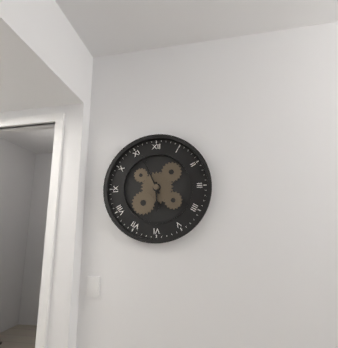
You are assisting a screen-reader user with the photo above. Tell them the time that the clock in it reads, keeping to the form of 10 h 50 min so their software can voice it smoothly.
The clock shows 5 h 56 min
